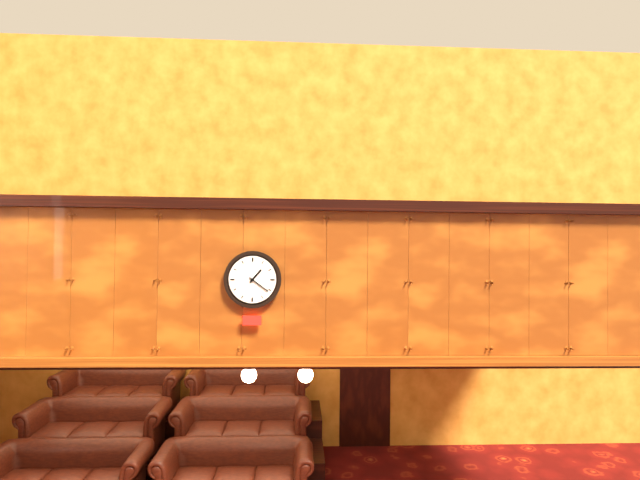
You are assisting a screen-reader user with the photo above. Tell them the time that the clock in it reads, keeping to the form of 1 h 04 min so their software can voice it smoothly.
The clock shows 1 h 21 min
